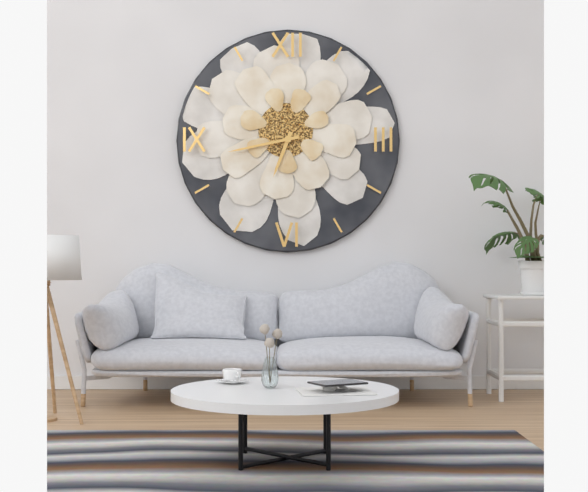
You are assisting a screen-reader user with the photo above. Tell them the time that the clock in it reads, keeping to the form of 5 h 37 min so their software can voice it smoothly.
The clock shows 6 h 43 min
